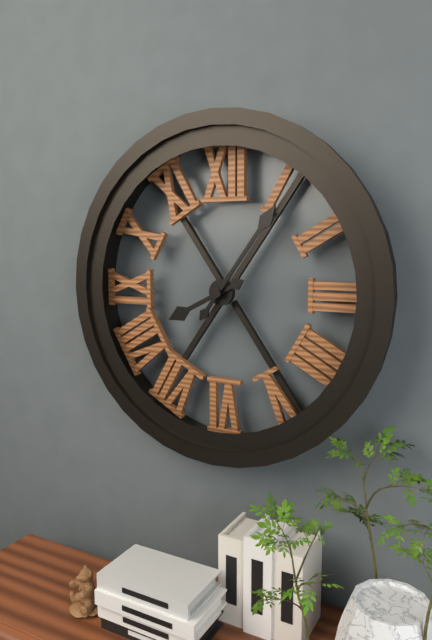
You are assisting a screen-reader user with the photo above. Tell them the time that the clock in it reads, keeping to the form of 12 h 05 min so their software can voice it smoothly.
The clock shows 8 h 06 min
